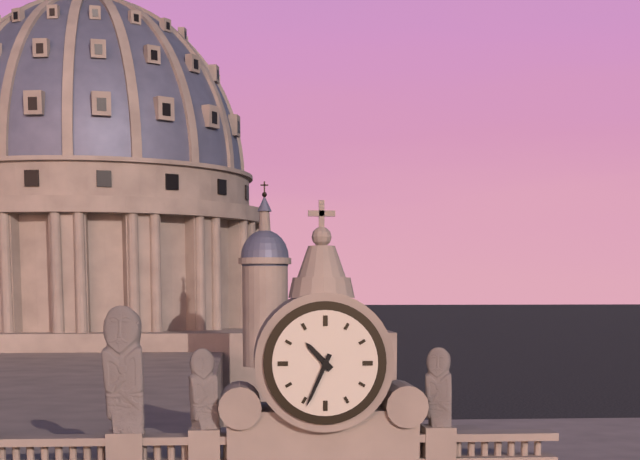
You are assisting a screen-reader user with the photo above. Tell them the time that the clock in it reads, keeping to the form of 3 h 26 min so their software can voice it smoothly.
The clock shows 10 h 34 min
